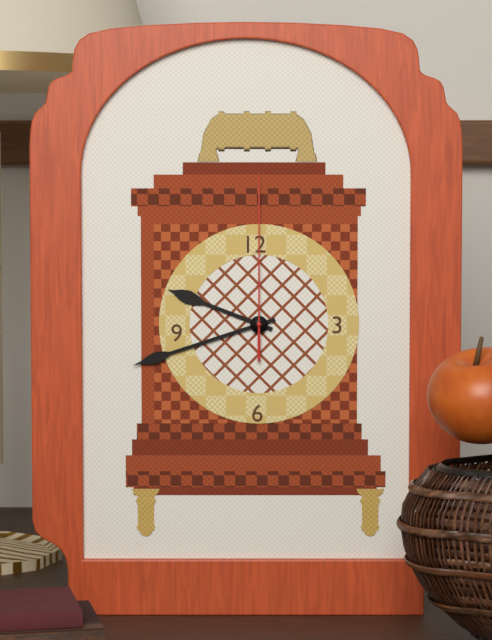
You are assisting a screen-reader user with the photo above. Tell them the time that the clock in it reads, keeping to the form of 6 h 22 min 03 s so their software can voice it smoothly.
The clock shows 9 h 42 min 00 s
